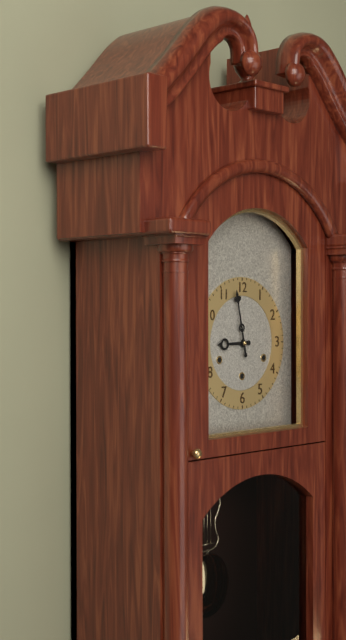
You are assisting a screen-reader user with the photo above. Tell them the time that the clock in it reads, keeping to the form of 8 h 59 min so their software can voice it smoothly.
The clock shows 8 h 58 min
